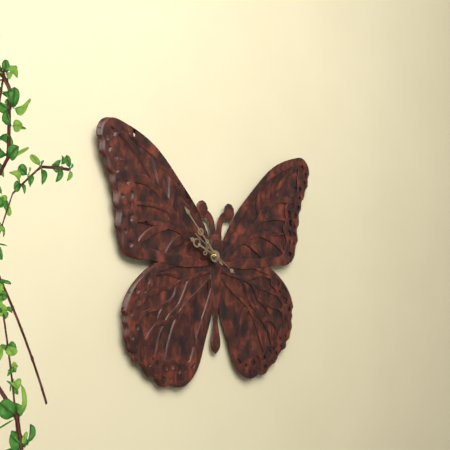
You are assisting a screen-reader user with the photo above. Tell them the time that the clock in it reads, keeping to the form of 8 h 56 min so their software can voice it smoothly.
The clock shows 9 h 53 min
